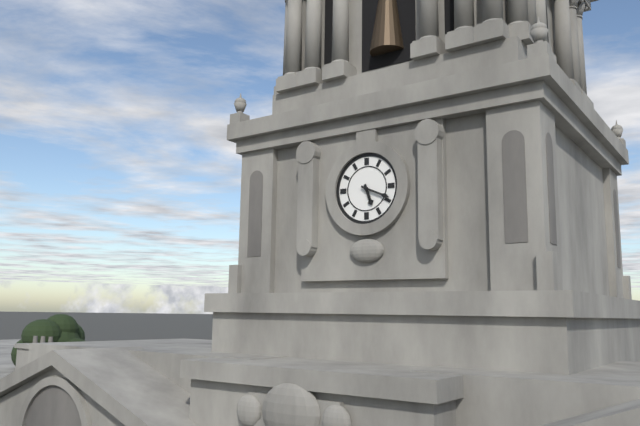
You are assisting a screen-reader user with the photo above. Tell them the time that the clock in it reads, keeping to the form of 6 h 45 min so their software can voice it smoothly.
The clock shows 5 h 19 min
